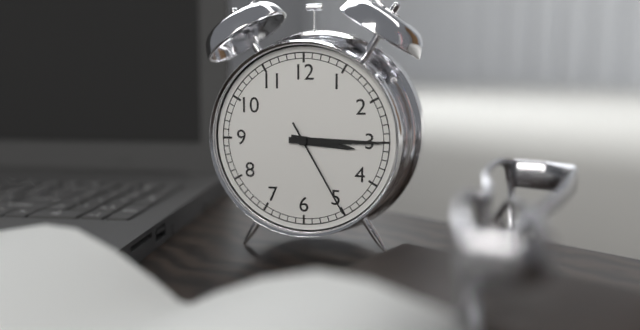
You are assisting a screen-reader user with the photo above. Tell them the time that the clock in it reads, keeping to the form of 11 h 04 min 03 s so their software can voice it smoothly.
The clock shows 3 h 15 min 25 s
